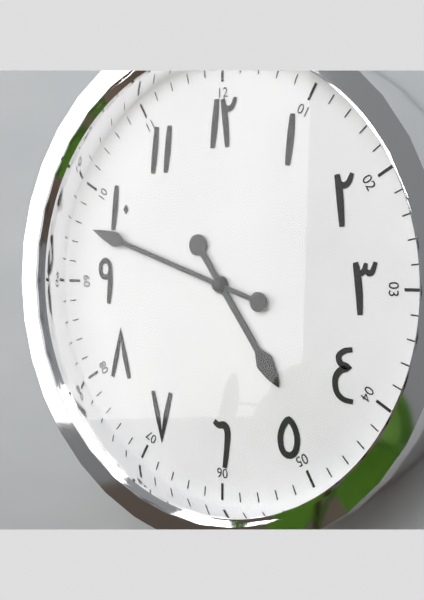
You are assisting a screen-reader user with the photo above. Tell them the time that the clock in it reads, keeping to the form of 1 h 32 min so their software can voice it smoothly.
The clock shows 4 h 48 min
